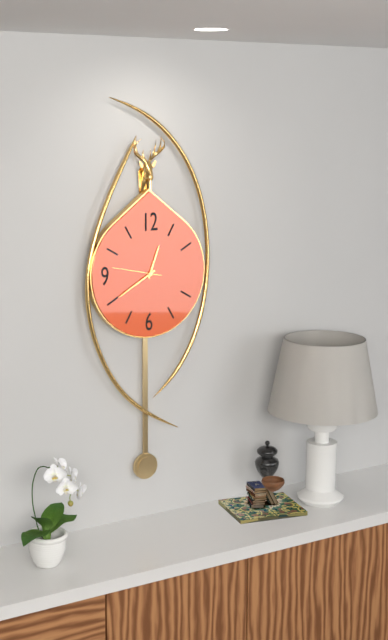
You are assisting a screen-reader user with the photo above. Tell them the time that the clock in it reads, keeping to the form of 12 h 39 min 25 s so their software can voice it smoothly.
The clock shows 12 h 40 min 47 s
